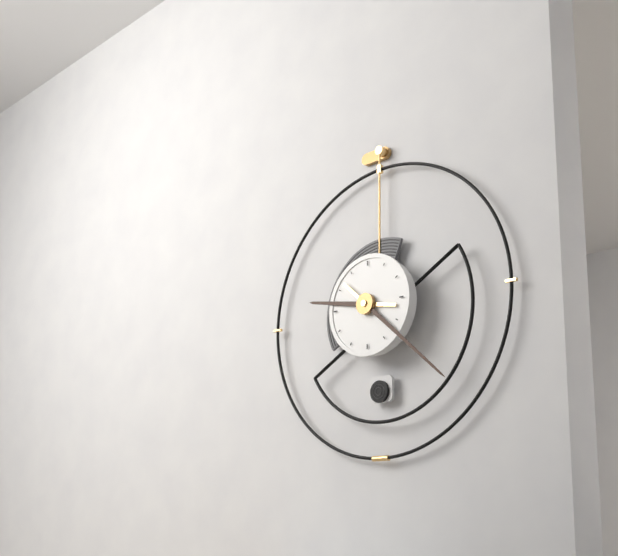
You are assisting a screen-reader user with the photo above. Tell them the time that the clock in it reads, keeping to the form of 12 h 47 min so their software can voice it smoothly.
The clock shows 9 h 22 min
